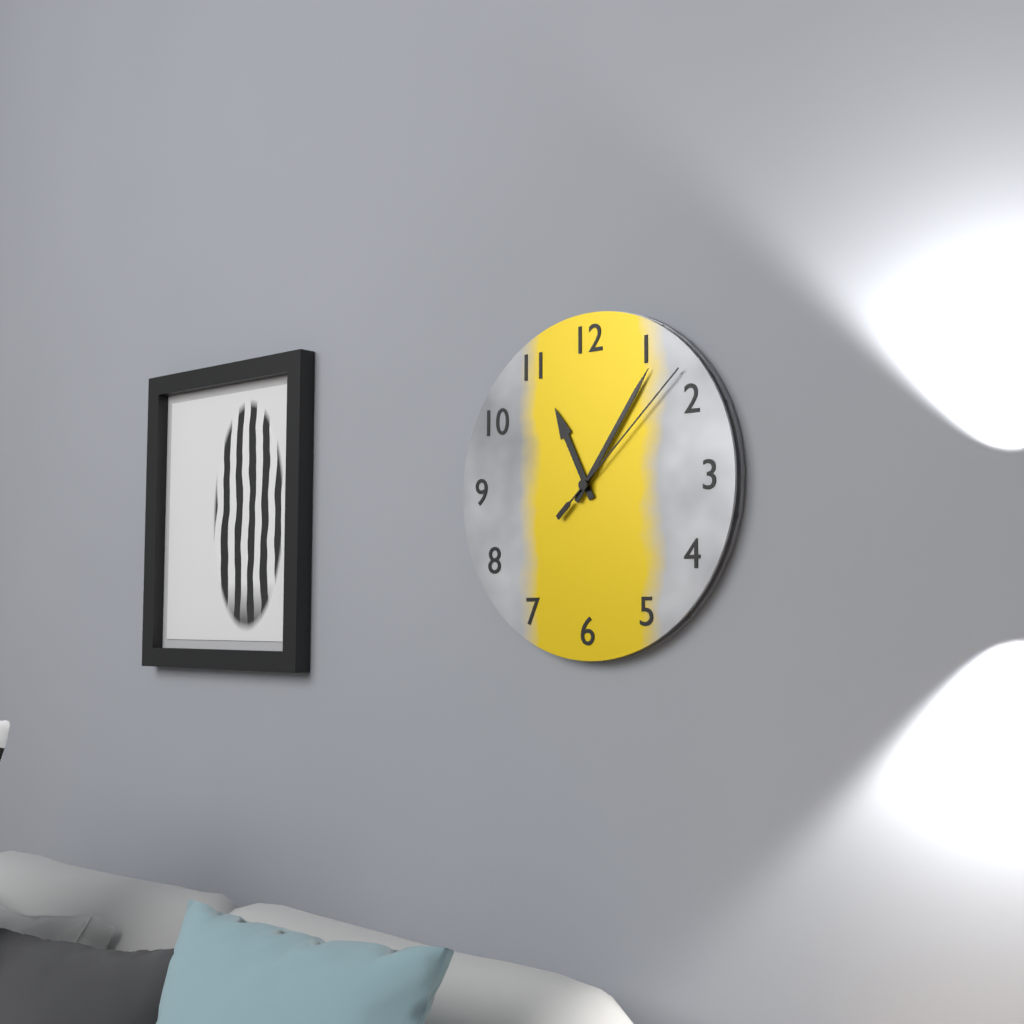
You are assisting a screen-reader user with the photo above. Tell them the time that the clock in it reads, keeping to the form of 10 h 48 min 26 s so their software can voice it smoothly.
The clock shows 11 h 06 min 08 s
